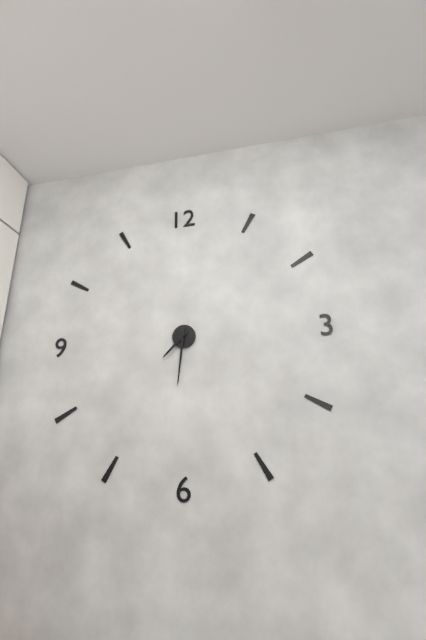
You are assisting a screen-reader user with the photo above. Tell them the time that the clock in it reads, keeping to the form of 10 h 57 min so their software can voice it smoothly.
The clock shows 7 h 31 min
